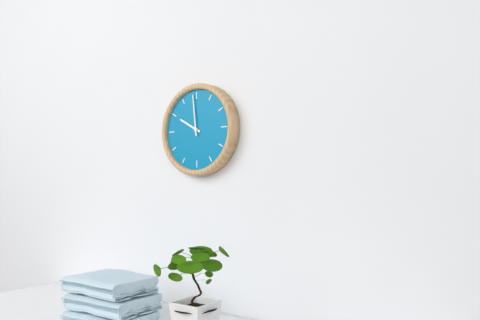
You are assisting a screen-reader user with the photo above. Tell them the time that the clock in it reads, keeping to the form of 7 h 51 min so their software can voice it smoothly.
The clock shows 9 h 59 min
